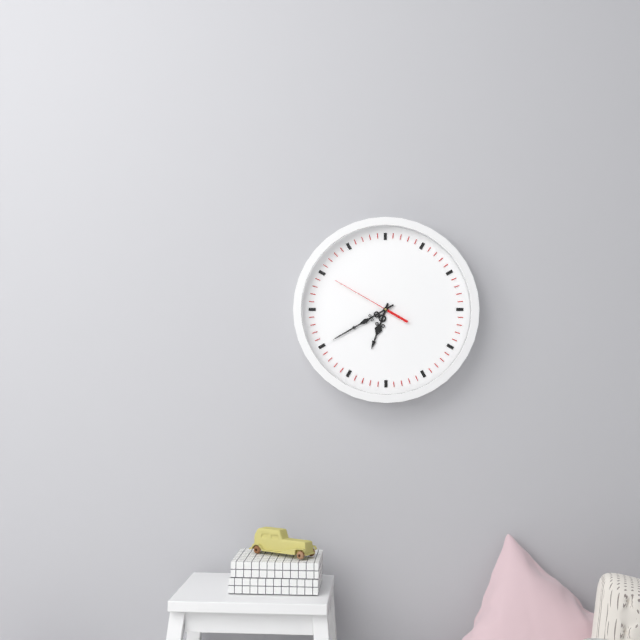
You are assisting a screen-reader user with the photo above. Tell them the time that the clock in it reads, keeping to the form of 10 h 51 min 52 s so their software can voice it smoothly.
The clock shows 6 h 40 min 50 s
